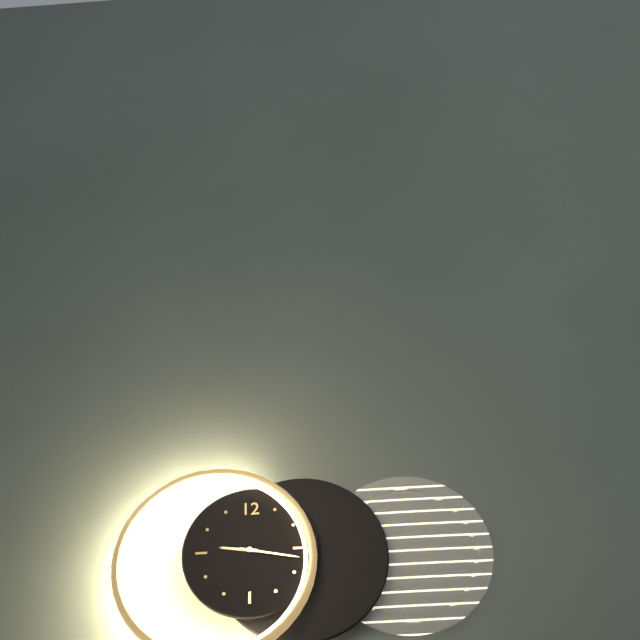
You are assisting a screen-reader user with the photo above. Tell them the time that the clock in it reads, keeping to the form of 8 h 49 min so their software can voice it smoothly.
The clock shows 9 h 17 min
